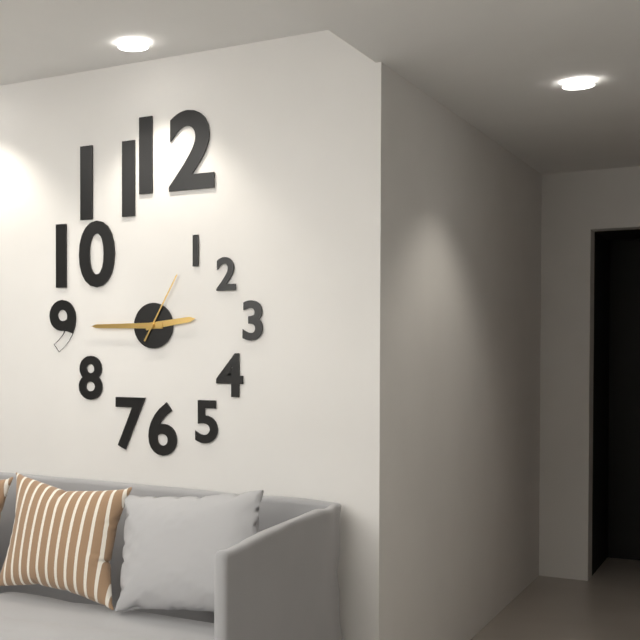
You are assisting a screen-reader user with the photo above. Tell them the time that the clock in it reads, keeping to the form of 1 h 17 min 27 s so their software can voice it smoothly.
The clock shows 2 h 45 min 05 s
